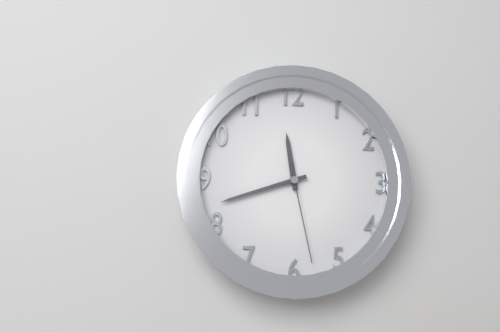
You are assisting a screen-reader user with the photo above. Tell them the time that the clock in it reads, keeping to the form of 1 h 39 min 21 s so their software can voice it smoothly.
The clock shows 11 h 42 min 28 s
